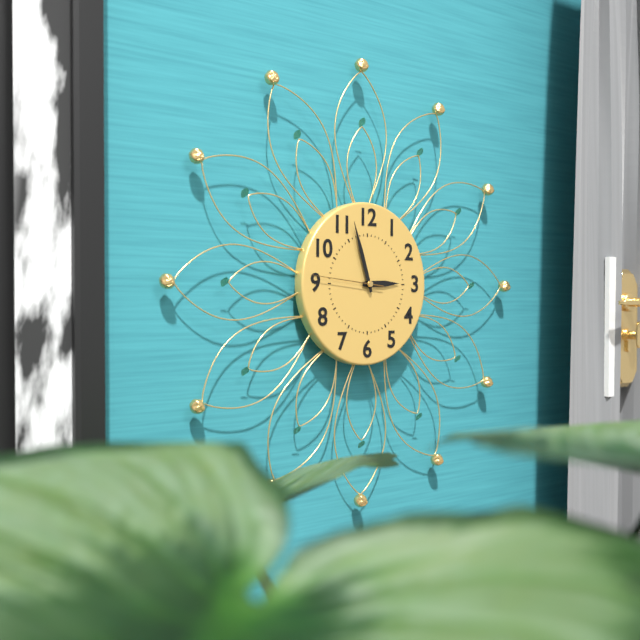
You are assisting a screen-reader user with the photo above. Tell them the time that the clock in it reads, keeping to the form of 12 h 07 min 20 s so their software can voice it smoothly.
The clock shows 2 h 57 min 46 s
